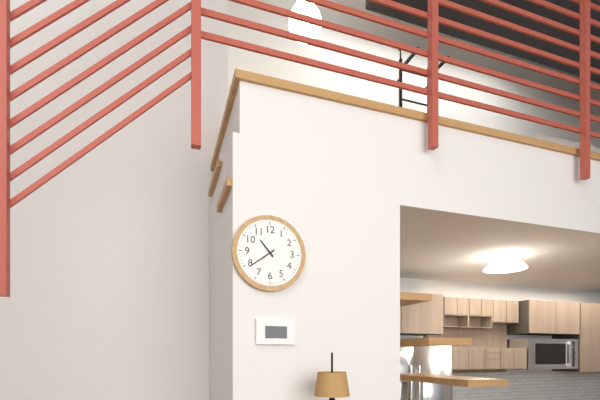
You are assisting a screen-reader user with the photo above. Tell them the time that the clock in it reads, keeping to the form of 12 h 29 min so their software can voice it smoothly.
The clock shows 10 h 39 min
